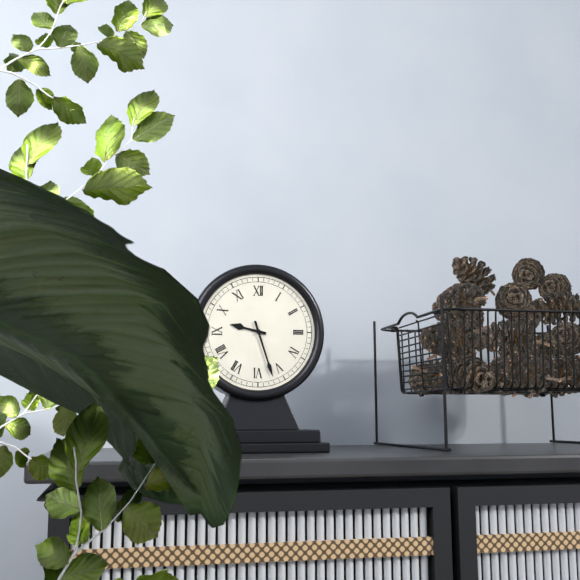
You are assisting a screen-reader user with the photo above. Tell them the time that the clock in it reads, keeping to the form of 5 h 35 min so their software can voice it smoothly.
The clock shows 9 h 27 min
